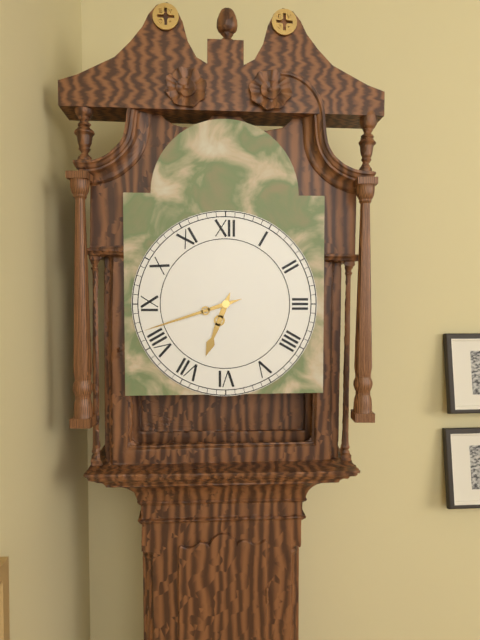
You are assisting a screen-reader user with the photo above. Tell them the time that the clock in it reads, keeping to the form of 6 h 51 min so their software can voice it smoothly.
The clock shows 6 h 42 min
